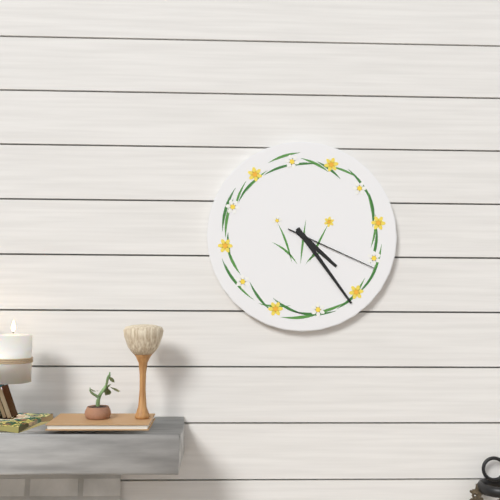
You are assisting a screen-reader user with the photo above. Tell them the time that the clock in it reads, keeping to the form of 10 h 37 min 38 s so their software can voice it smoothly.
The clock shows 4 h 24 min 19 s
